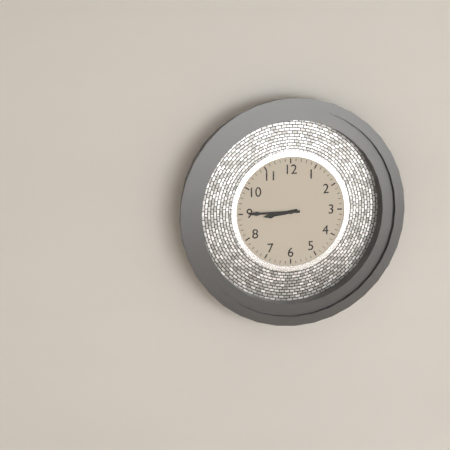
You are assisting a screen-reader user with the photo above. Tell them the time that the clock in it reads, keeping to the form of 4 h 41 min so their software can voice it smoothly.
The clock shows 8 h 45 min
